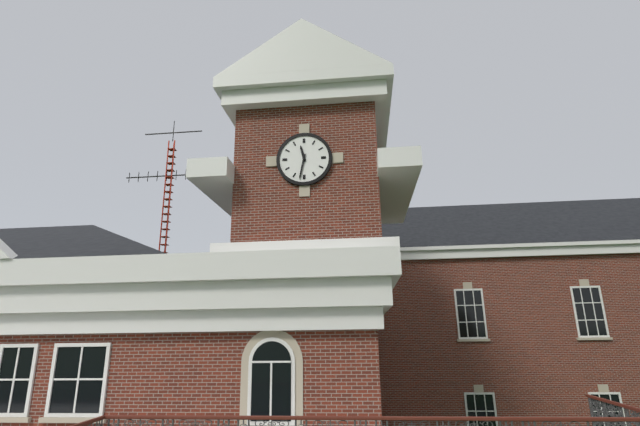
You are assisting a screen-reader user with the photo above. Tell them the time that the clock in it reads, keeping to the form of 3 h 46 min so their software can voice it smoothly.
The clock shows 11 h 32 min
